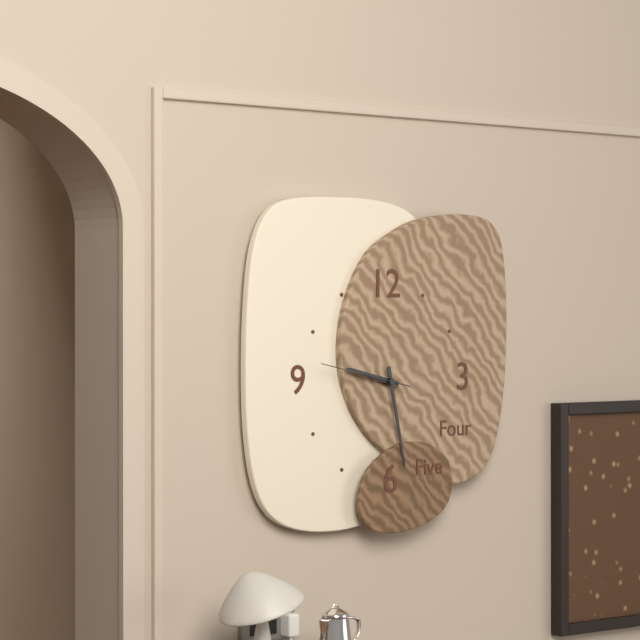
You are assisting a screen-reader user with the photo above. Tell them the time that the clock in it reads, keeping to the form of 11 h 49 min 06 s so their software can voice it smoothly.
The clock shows 9 h 28 min 47 s
